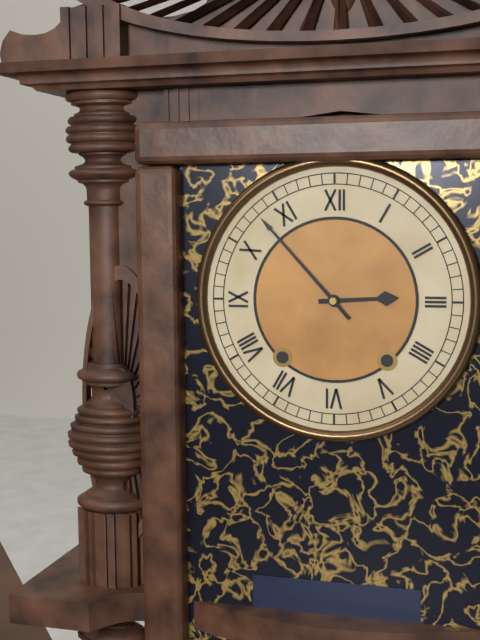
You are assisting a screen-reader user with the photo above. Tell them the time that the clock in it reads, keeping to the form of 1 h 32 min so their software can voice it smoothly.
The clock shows 2 h 53 min
